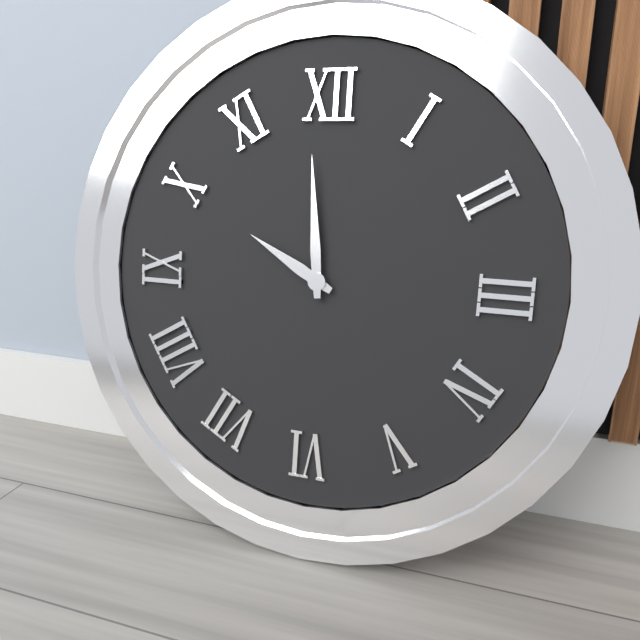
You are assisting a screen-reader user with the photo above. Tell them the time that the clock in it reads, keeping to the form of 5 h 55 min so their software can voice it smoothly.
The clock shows 9 h 59 min
